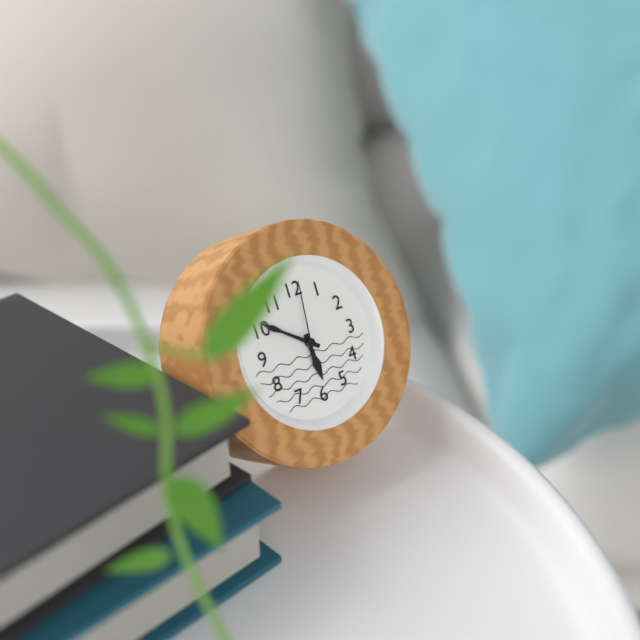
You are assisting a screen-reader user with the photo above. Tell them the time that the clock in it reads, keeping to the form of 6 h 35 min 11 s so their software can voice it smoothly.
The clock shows 5 h 51 min 01 s
